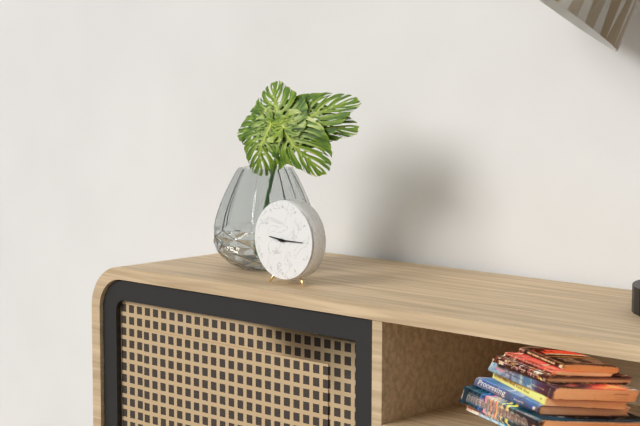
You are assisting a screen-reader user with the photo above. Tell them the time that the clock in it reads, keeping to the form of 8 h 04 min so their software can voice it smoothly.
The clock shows 9 h 15 min
